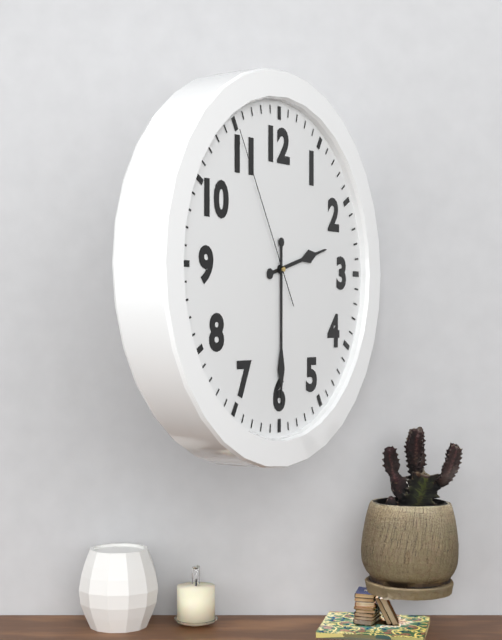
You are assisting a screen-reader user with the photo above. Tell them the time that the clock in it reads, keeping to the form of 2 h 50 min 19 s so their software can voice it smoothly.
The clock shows 2 h 30 min 55 s
